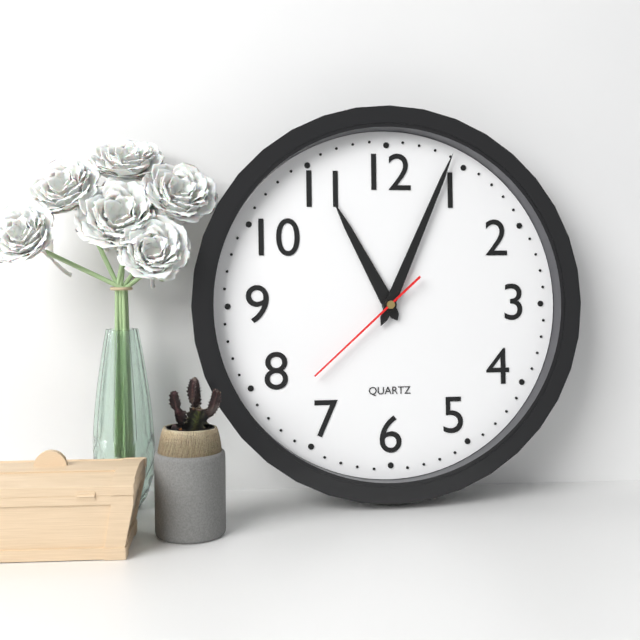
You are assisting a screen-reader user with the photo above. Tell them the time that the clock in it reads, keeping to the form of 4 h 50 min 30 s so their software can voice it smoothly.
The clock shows 11 h 04 min 38 s
